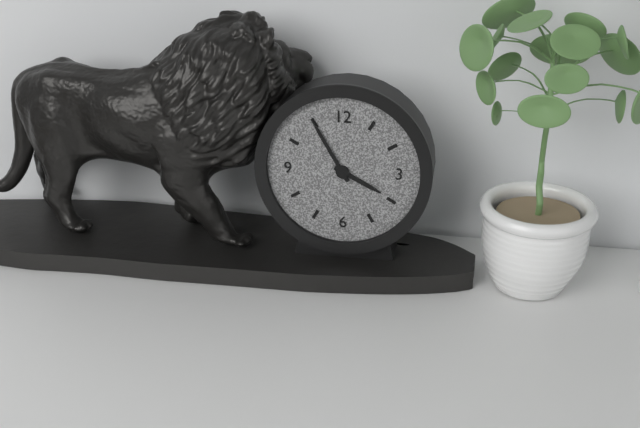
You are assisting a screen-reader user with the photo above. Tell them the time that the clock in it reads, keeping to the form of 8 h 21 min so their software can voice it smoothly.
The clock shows 3 h 55 min
